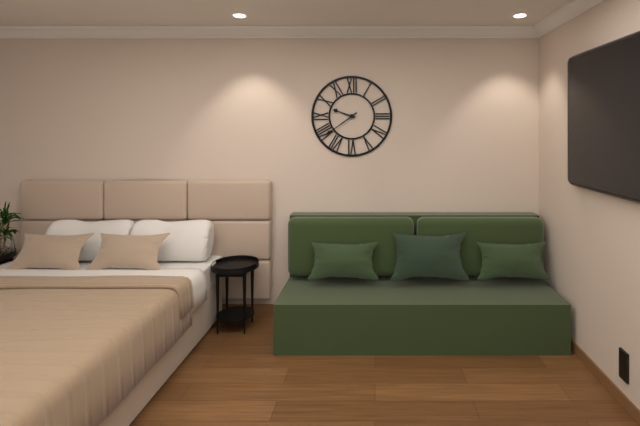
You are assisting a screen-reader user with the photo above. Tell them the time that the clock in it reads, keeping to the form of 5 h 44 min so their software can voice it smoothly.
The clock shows 9 h 39 min
